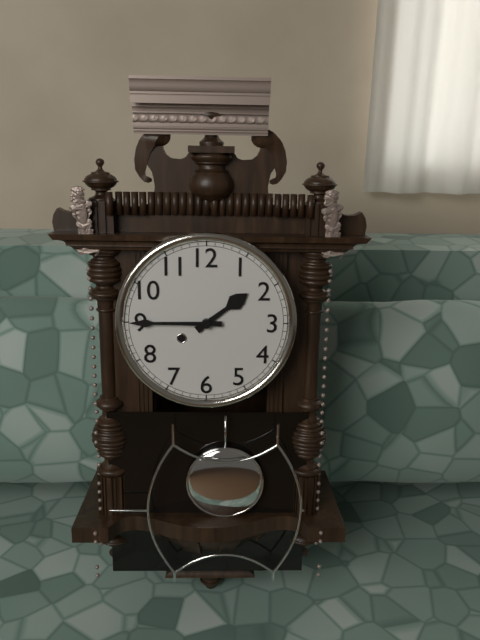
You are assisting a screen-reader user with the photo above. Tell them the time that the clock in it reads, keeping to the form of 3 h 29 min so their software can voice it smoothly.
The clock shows 1 h 45 min
